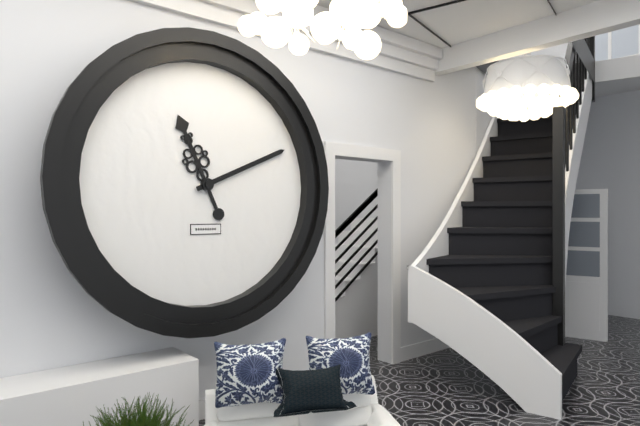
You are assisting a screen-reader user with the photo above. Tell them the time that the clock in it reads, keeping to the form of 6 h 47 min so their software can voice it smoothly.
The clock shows 11 h 11 min
